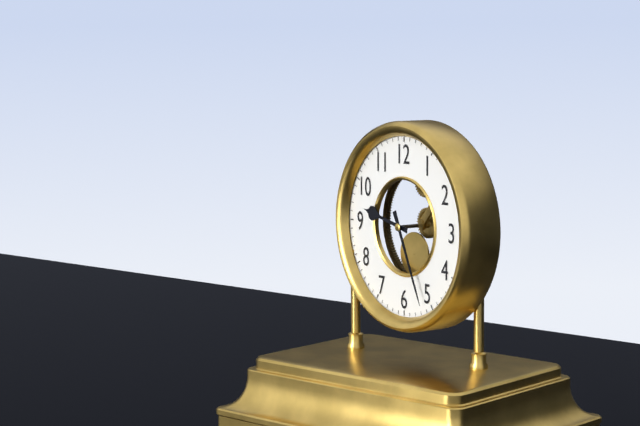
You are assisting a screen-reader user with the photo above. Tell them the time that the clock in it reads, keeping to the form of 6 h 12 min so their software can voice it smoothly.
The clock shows 9 h 26 min
